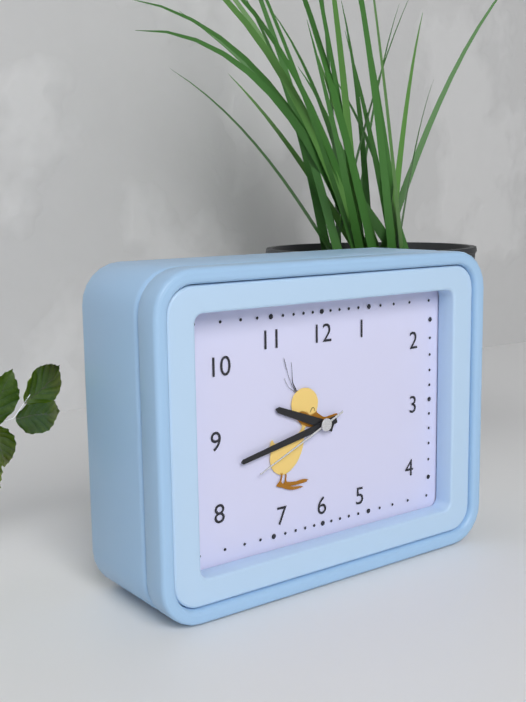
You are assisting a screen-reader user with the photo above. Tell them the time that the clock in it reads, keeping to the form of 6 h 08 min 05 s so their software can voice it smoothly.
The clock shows 9 h 43 min 41 s
